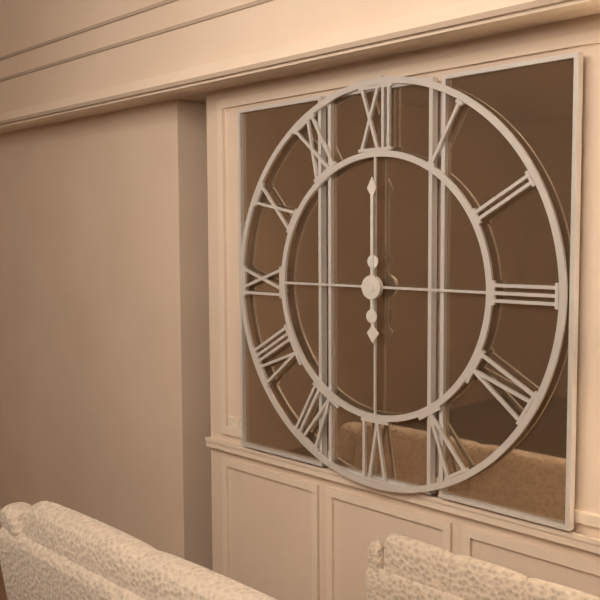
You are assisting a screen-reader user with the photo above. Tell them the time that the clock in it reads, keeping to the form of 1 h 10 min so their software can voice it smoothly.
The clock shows 6 h 00 min
